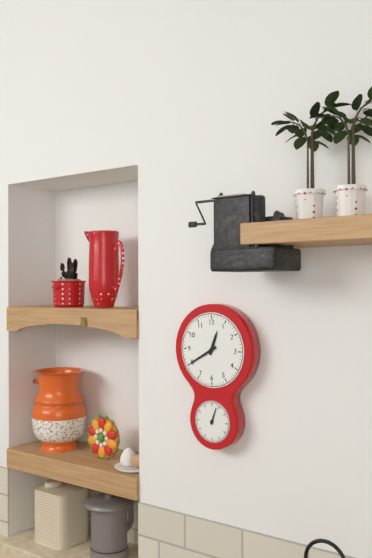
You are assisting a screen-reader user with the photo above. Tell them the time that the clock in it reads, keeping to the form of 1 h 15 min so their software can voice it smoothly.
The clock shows 12 h 40 min
